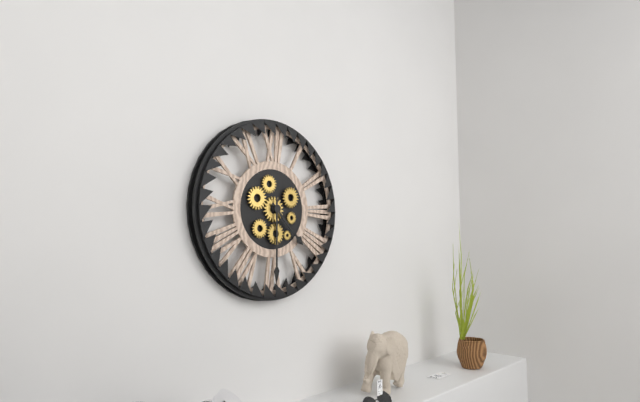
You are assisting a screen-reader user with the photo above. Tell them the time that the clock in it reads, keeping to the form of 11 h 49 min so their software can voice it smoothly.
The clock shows 4 h 30 min
